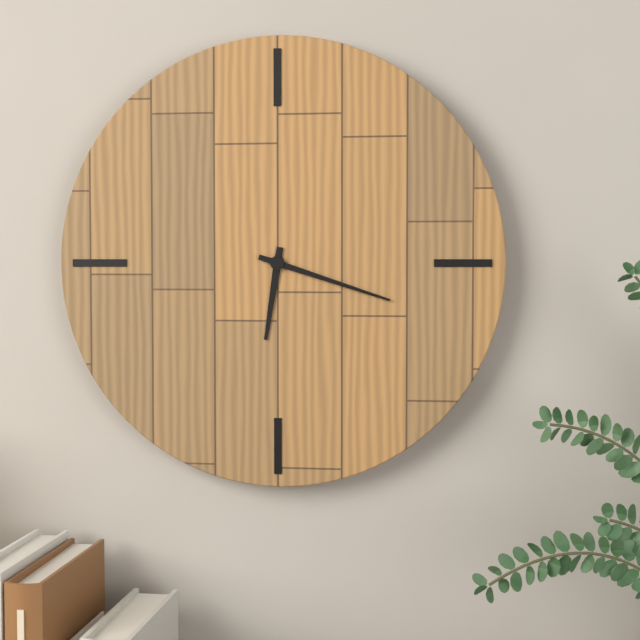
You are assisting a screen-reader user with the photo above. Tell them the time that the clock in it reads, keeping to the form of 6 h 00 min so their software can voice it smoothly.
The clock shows 6 h 18 min
